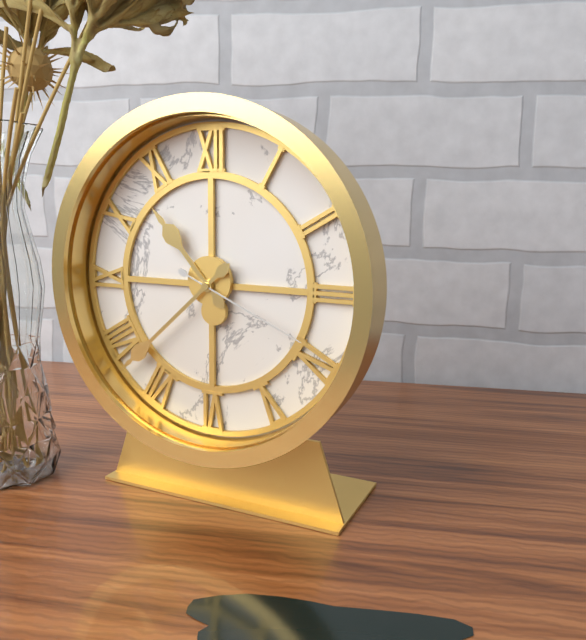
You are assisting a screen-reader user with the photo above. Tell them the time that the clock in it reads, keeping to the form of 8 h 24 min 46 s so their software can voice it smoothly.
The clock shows 10 h 38 min 19 s
